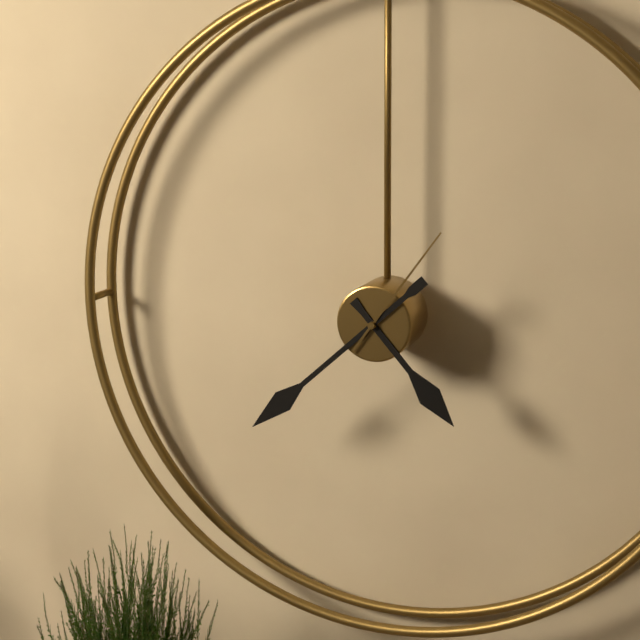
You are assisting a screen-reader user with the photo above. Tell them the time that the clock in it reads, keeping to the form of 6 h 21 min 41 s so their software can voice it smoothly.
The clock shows 4 h 38 min 06 s
